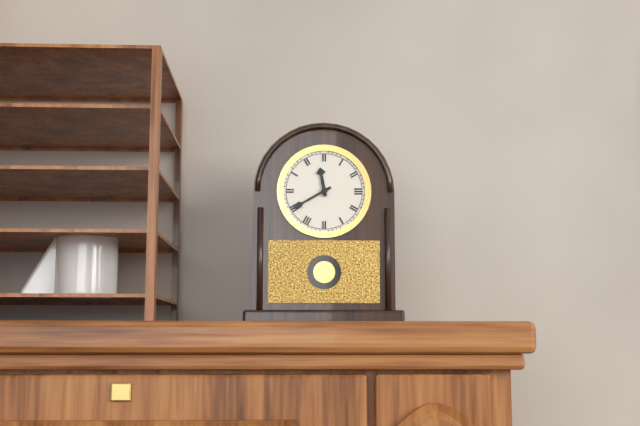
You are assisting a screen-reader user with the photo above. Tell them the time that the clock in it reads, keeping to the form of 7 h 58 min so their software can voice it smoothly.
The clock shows 11 h 40 min
